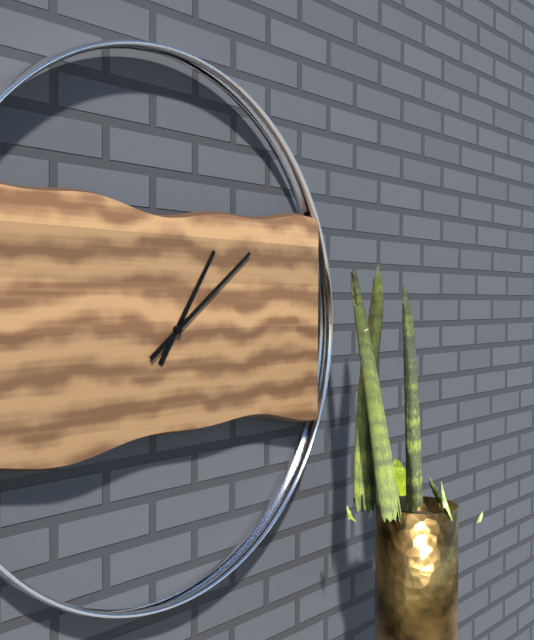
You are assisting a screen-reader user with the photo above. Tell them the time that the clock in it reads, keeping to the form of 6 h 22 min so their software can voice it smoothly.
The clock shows 1 h 09 min
